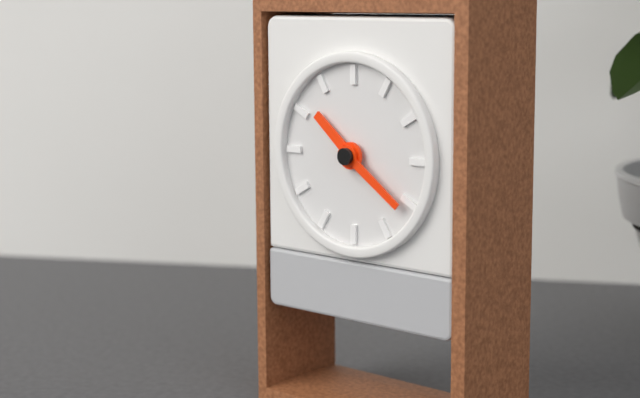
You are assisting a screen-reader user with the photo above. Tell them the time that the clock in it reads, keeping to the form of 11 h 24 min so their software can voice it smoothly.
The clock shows 10 h 21 min
